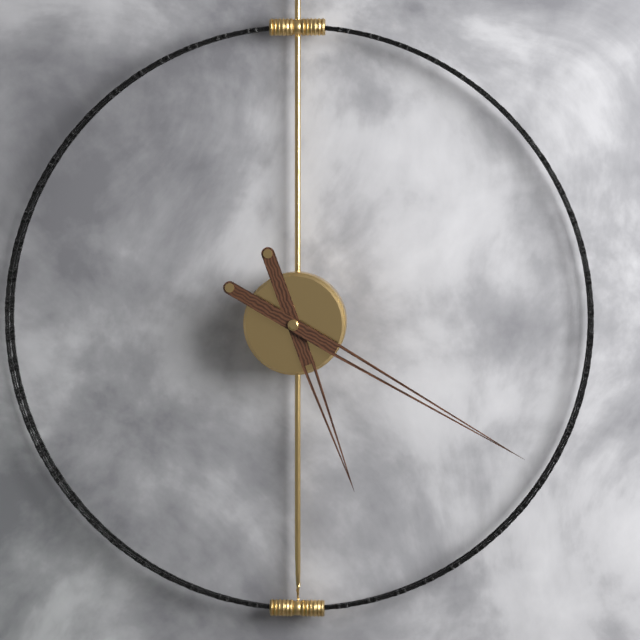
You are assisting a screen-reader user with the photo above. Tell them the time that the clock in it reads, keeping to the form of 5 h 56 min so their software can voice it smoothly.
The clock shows 5 h 20 min
